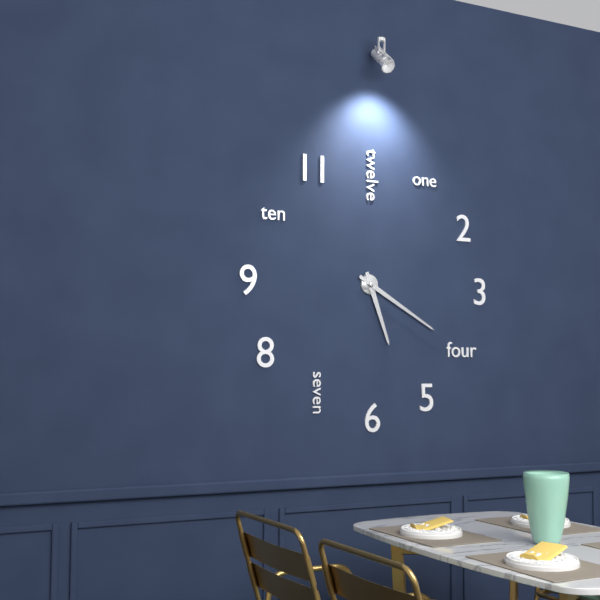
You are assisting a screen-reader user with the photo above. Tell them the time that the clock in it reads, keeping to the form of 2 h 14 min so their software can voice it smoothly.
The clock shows 5 h 20 min
